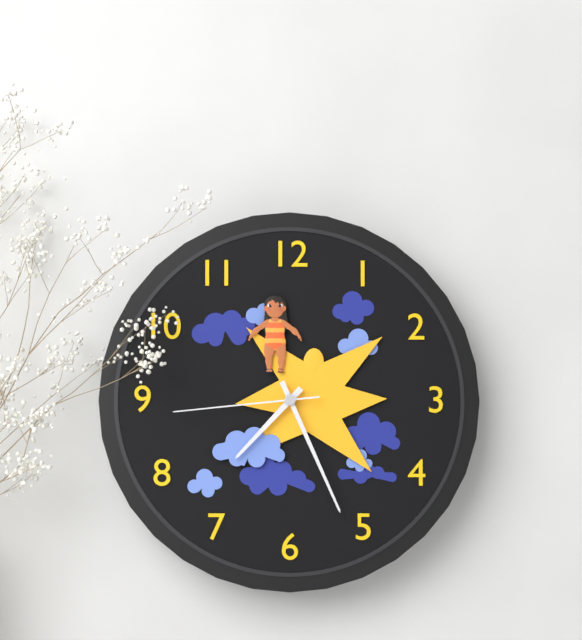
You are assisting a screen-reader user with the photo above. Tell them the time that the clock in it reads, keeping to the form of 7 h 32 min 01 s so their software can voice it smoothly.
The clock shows 7 h 26 min 44 s
